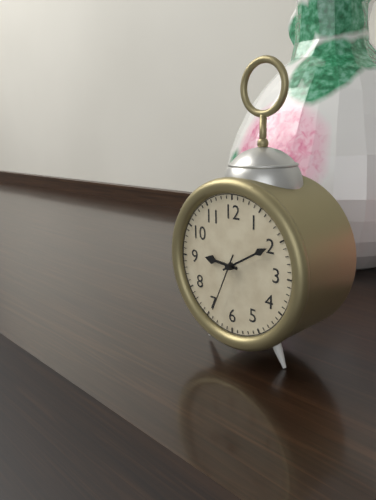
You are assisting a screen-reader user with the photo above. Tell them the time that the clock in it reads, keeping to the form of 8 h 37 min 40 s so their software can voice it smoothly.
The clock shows 9 h 10 min 34 s
